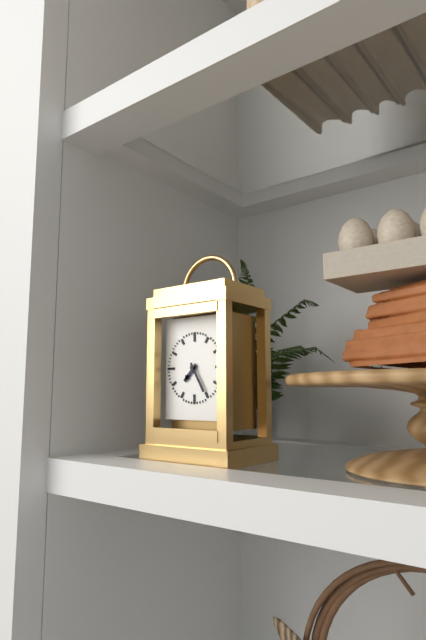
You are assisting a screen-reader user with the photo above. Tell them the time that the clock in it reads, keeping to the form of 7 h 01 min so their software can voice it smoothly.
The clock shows 7 h 25 min
